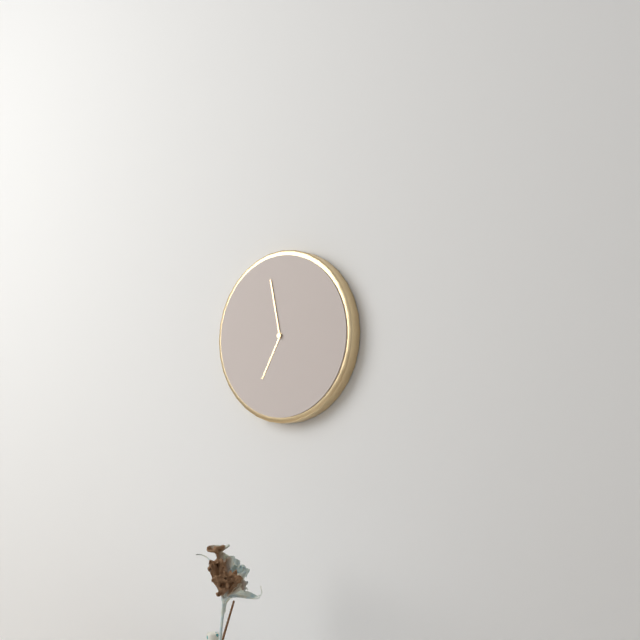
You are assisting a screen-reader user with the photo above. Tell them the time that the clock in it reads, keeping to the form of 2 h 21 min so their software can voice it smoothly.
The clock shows 6 h 58 min
